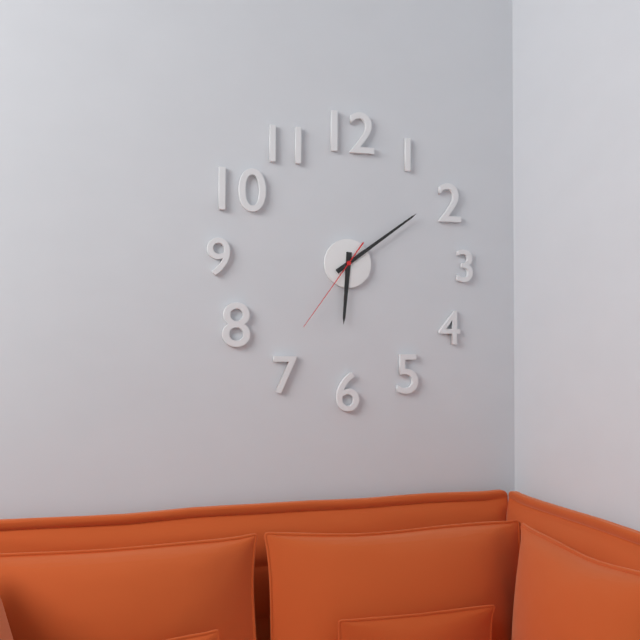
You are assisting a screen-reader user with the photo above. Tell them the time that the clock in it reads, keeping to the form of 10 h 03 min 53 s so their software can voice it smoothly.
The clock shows 6 h 09 min 36 s
